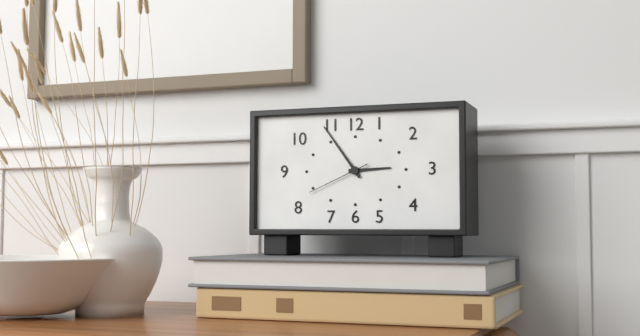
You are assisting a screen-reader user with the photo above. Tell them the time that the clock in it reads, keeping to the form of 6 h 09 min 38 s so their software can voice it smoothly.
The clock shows 2 h 54 min 41 s
